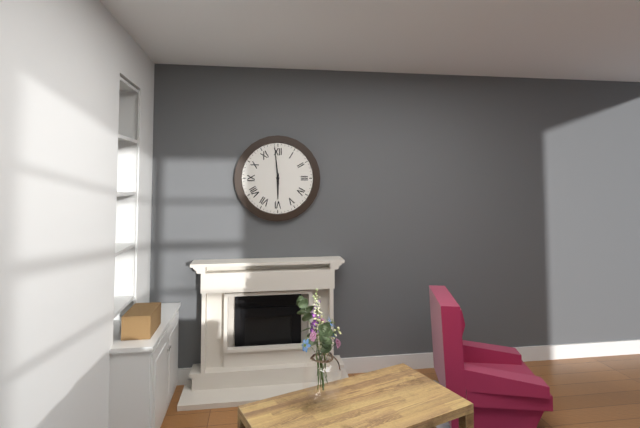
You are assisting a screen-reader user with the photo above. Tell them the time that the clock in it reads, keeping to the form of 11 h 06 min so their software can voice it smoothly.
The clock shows 5 h 59 min
